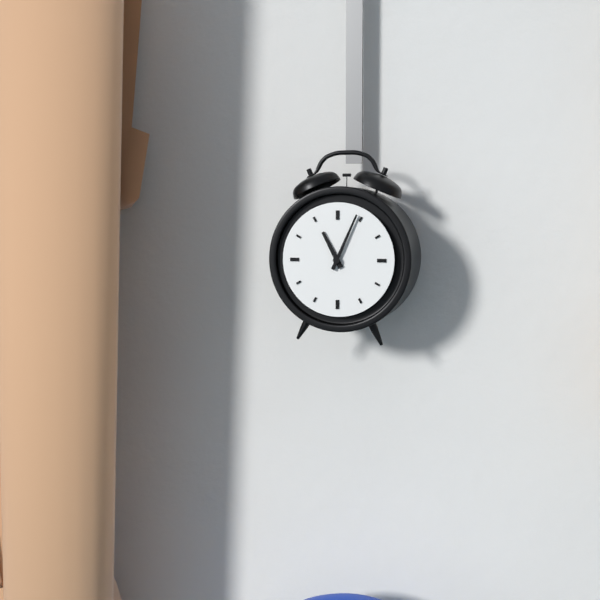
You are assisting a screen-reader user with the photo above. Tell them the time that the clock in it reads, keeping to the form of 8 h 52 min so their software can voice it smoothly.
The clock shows 11 h 04 min
